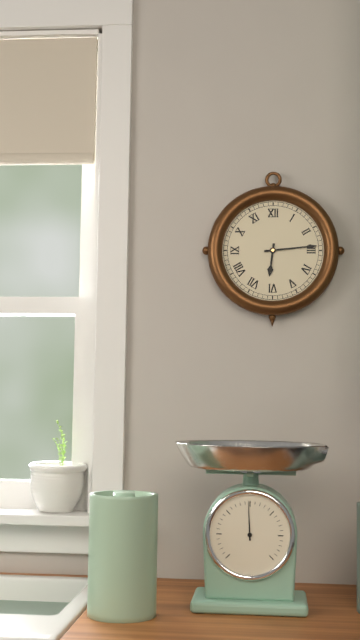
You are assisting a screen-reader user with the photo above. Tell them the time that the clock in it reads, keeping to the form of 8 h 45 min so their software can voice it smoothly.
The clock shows 6 h 14 min
